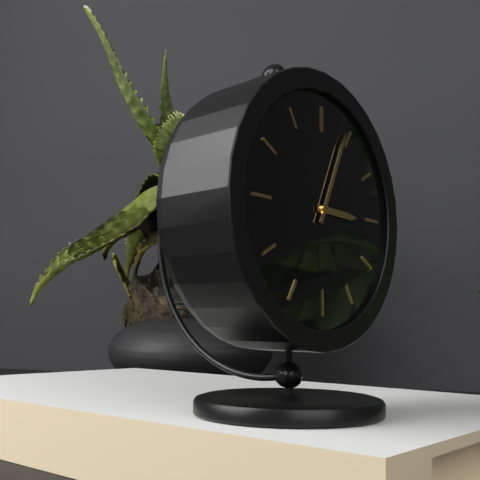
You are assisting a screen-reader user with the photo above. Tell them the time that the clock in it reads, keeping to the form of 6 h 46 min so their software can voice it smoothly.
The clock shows 3 h 04 min
